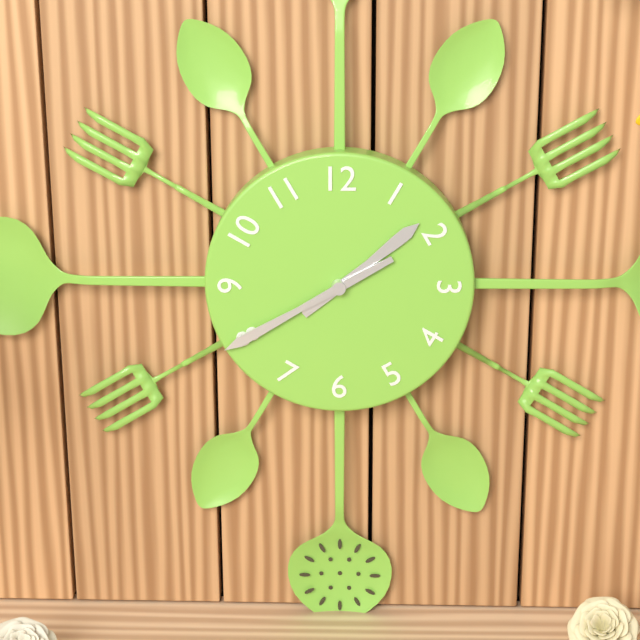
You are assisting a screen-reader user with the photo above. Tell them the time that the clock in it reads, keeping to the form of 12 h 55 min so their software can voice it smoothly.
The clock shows 1 h 40 min
